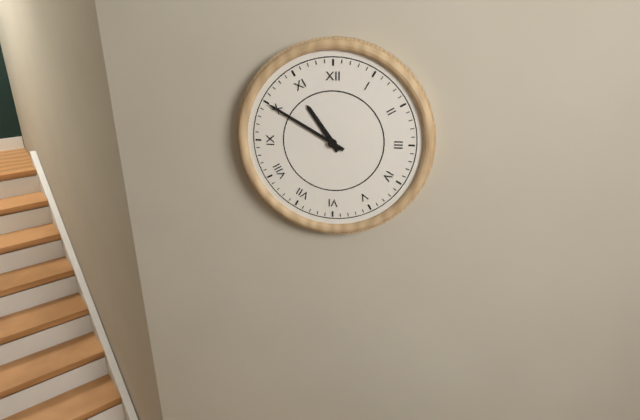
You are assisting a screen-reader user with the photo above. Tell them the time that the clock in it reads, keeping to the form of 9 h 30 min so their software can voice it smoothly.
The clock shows 10 h 50 min
